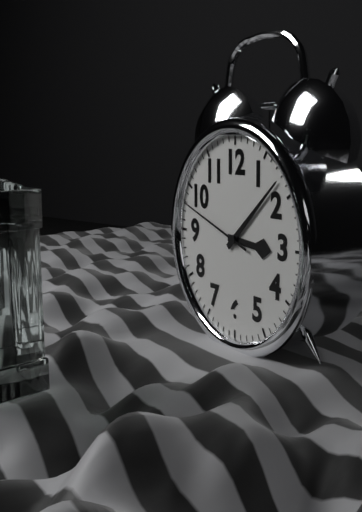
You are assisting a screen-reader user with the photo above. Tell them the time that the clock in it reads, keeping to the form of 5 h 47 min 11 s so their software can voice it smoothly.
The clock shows 3 h 08 min 48 s
